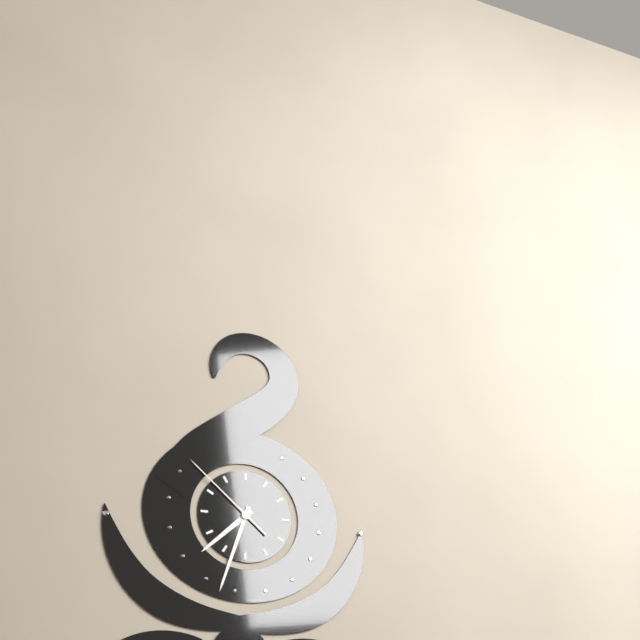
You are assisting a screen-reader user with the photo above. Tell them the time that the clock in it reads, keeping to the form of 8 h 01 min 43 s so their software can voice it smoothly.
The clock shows 7 h 33 min 52 s
